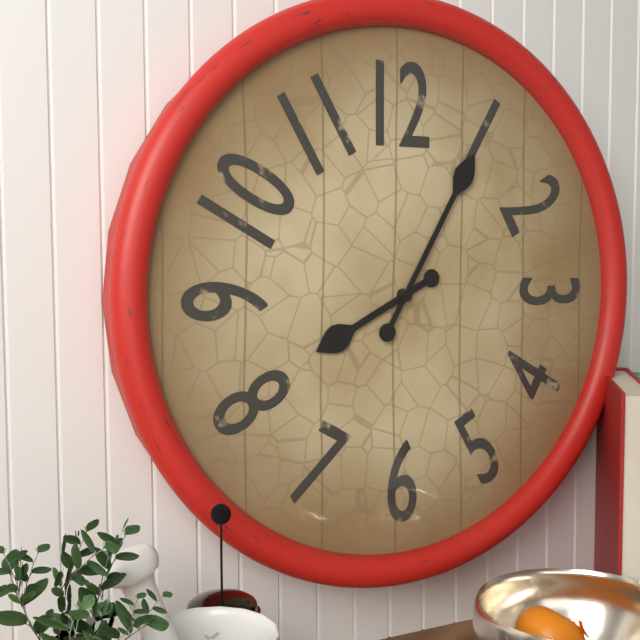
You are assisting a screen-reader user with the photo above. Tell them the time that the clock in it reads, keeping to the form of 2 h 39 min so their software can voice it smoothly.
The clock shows 8 h 05 min
